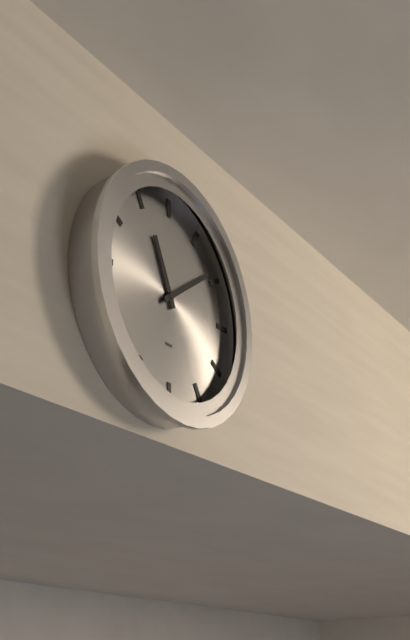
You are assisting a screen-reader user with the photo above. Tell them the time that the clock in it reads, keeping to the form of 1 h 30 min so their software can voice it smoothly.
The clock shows 11 h 09 min
